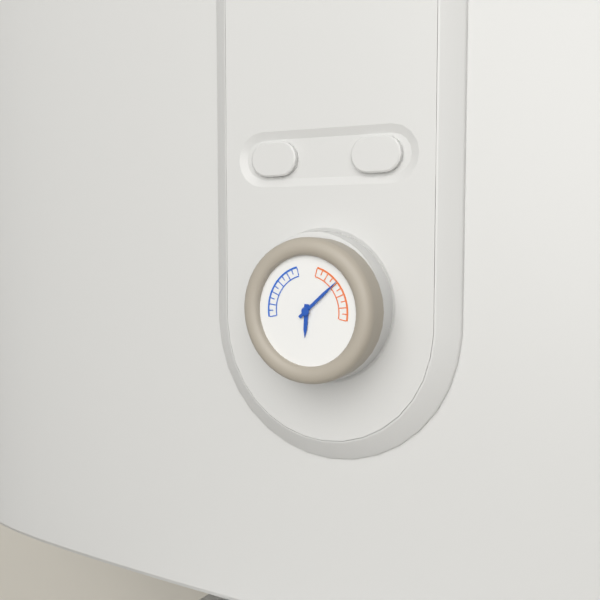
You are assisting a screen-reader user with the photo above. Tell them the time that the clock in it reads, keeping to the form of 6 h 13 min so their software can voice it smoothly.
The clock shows 6 h 08 min
